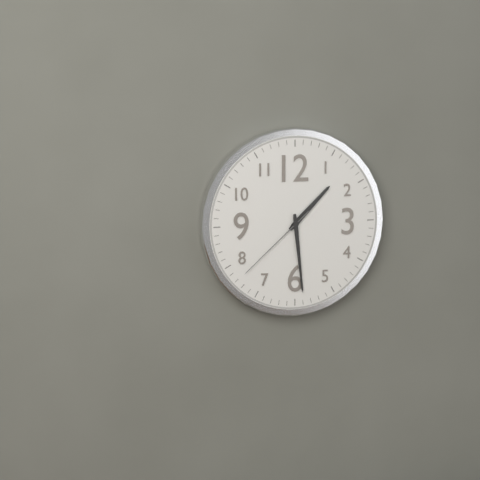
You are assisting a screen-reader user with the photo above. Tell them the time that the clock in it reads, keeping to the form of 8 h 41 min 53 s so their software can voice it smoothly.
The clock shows 1 h 29 min 38 s
